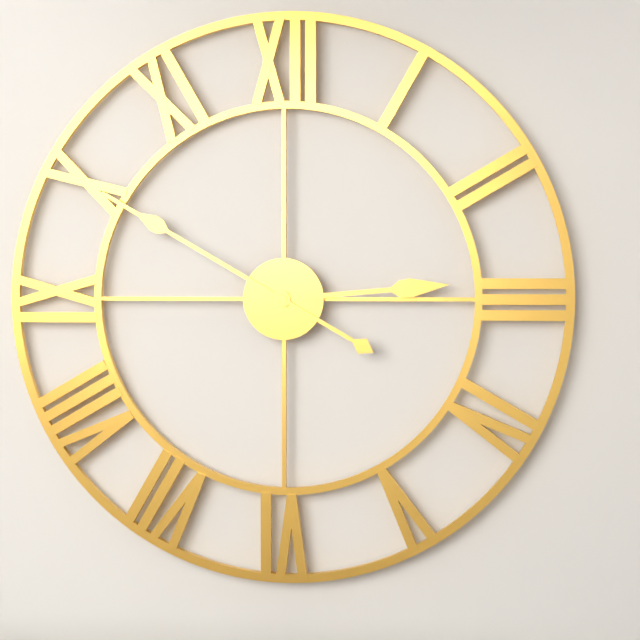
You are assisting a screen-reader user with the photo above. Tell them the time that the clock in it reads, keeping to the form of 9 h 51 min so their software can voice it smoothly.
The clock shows 2 h 50 min
